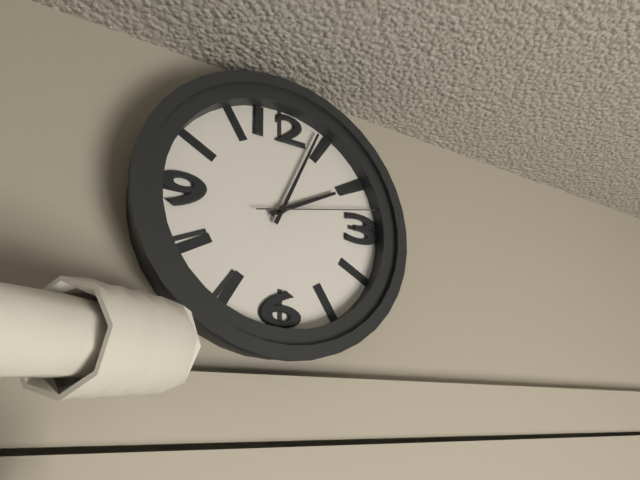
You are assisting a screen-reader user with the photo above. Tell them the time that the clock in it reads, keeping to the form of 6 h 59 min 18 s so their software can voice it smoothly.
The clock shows 2 h 04 min 13 s
